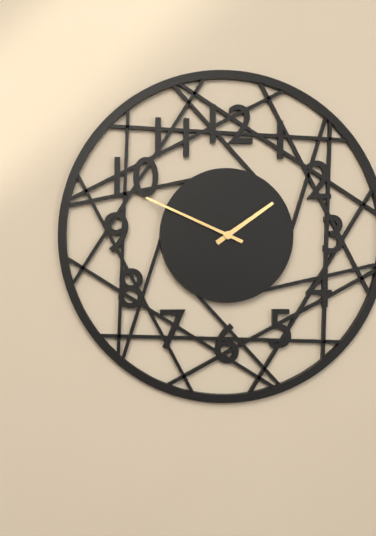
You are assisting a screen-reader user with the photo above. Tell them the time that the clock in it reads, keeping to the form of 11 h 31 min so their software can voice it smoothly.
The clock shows 1 h 49 min
